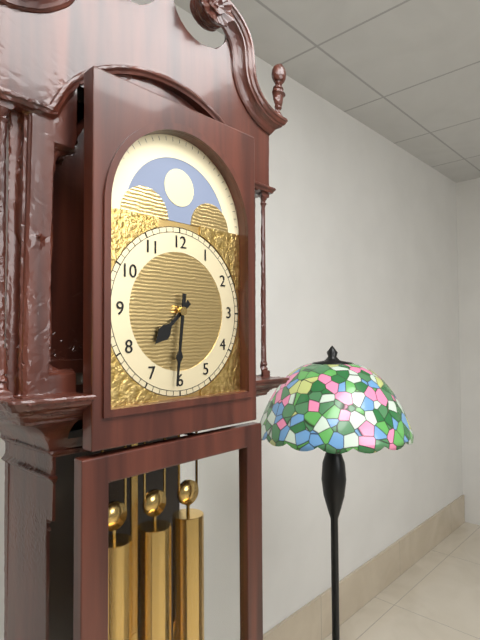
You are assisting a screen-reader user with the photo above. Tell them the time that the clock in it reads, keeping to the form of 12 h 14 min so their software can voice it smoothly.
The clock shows 7 h 31 min
